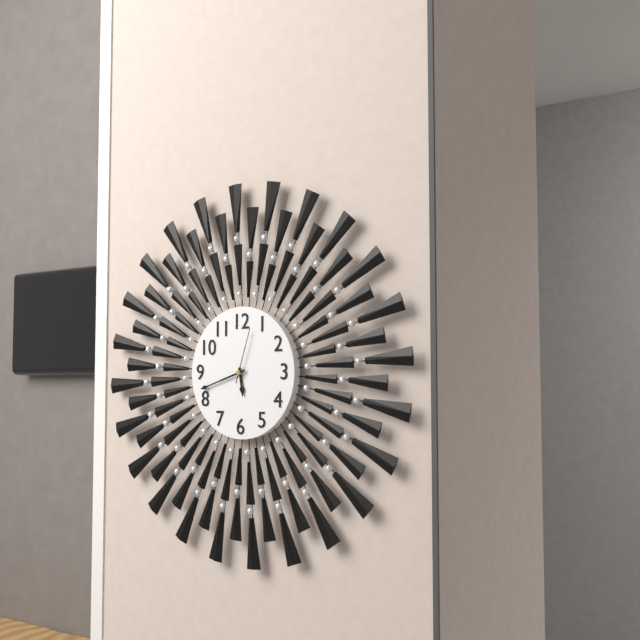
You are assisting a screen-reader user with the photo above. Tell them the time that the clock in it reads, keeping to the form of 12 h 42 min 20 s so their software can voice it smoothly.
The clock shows 5 h 42 min 03 s
